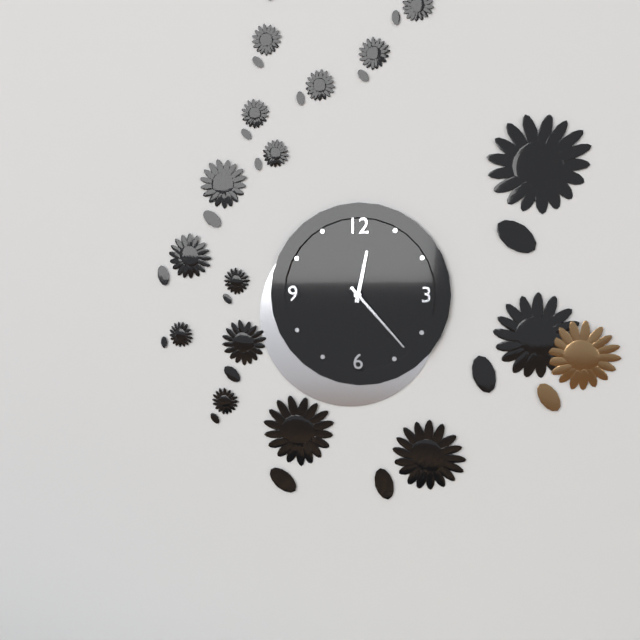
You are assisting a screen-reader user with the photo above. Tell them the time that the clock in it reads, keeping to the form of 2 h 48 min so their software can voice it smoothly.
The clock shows 12 h 23 min
